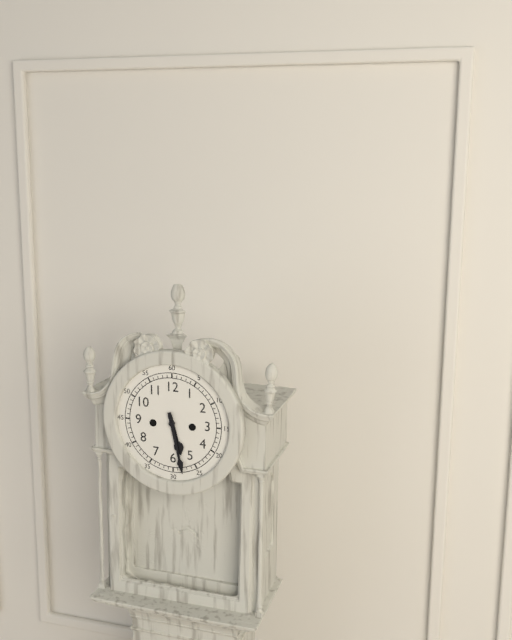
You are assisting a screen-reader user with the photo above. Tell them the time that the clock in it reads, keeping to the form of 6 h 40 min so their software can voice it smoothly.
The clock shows 5 h 28 min
